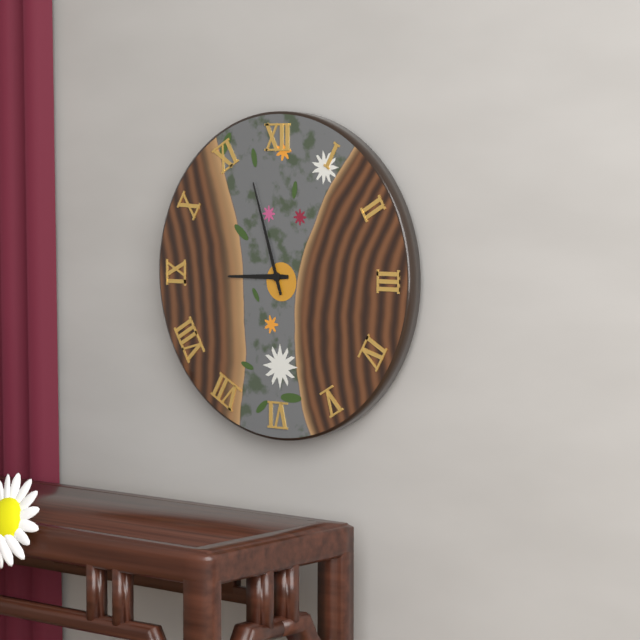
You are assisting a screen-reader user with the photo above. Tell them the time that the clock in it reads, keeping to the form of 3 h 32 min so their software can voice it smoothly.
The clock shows 8 h 57 min
